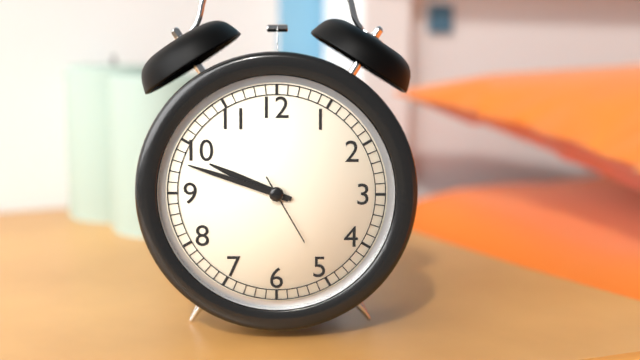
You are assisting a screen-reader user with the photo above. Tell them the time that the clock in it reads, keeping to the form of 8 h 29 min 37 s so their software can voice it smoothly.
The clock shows 9 h 48 min 25 s
